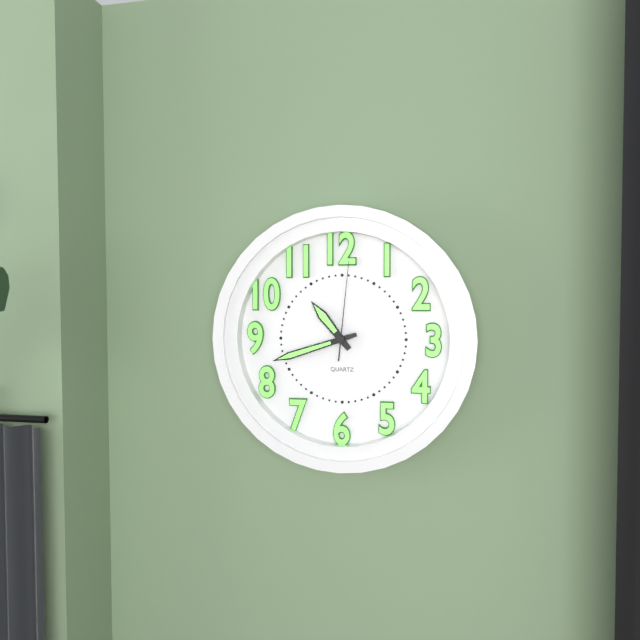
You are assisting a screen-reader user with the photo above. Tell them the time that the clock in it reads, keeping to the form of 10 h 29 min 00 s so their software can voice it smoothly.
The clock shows 10 h 42 min 01 s
